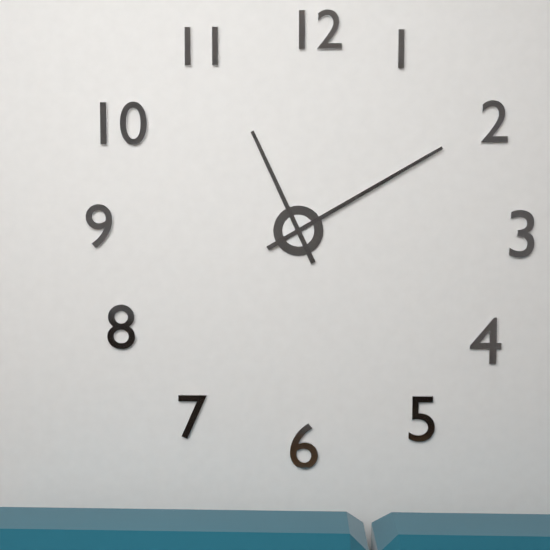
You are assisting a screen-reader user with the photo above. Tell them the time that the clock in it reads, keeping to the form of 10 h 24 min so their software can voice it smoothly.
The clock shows 11 h 10 min
